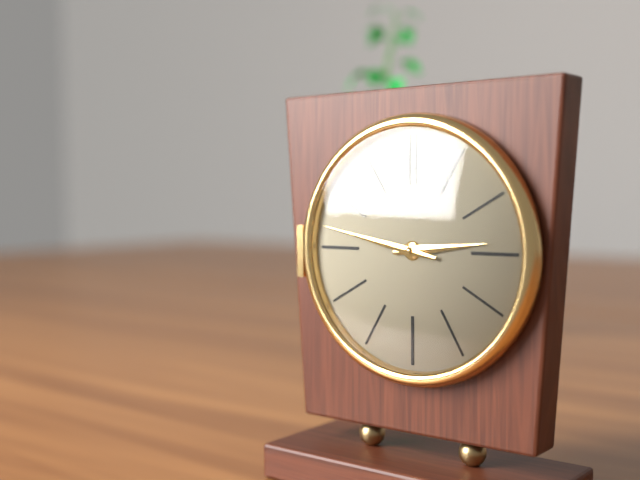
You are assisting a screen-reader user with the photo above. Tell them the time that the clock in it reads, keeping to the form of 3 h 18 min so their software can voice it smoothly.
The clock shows 2 h 47 min
